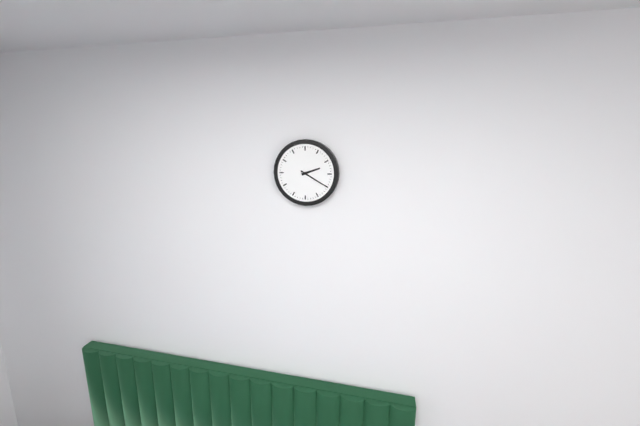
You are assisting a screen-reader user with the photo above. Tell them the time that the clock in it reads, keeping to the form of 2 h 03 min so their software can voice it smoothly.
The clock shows 2 h 20 min
